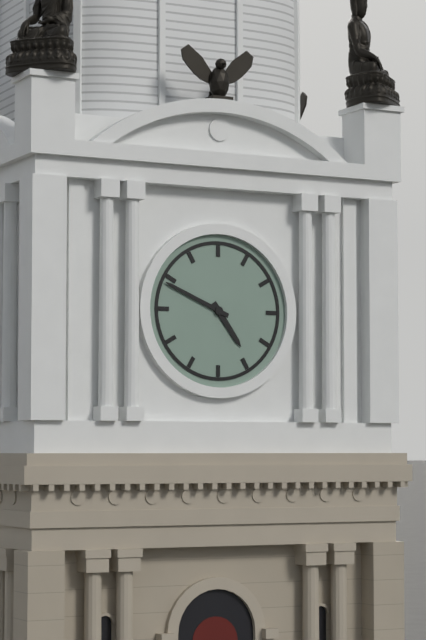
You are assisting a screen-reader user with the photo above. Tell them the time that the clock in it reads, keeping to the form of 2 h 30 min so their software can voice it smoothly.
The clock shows 4 h 49 min
